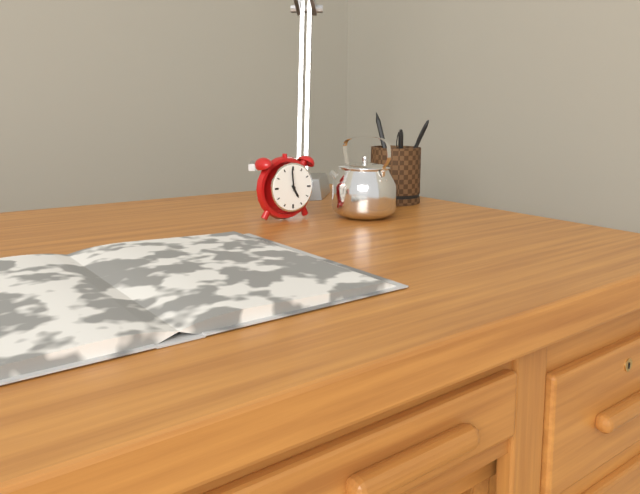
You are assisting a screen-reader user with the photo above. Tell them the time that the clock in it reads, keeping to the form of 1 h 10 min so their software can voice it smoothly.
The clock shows 4 h 59 min
